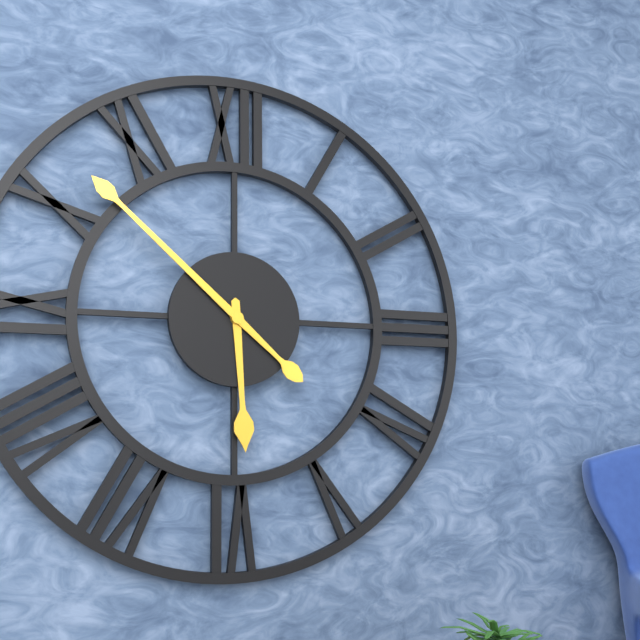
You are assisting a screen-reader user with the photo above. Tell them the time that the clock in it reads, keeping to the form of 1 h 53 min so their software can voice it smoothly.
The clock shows 5 h 52 min
